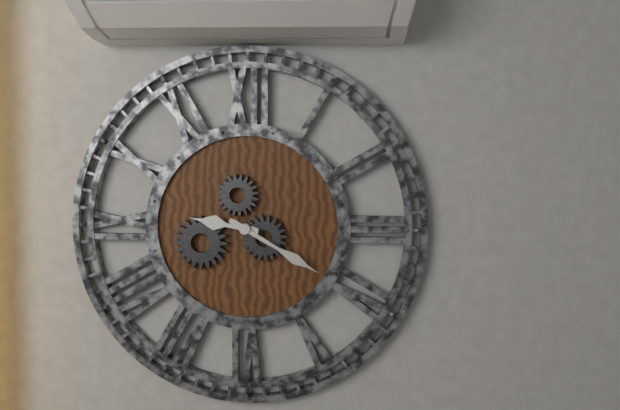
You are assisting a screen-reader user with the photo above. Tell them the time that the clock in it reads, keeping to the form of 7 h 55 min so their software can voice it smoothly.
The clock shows 9 h 20 min
